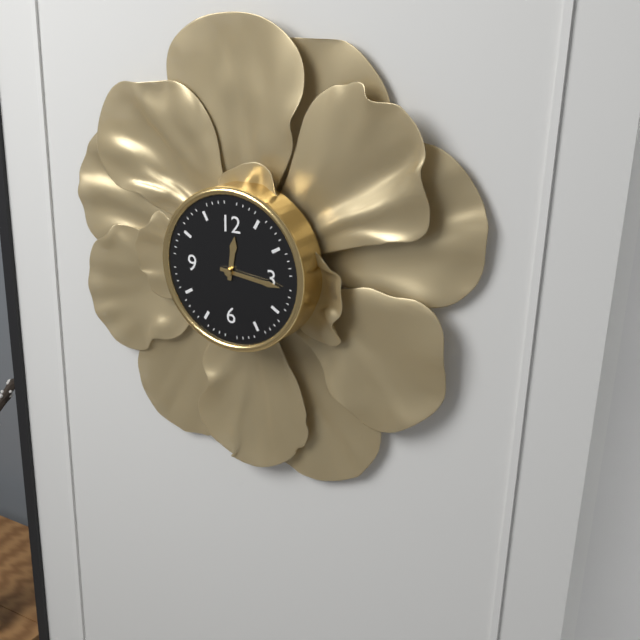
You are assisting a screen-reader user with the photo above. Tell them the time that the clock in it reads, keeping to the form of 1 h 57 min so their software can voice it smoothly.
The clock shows 12 h 16 min
